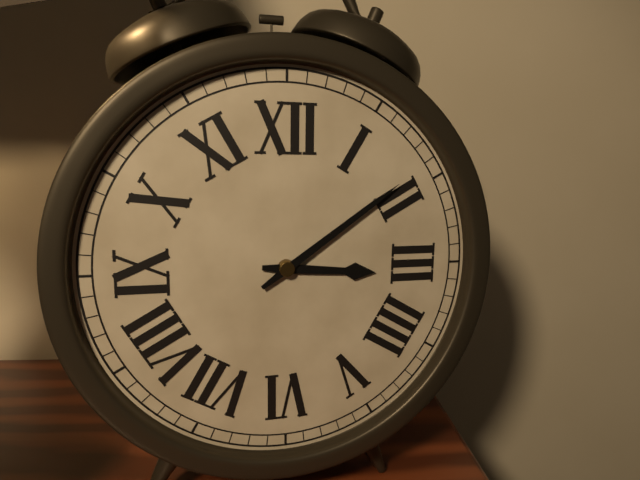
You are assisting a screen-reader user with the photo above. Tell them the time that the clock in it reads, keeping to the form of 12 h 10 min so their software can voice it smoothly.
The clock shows 3 h 09 min
